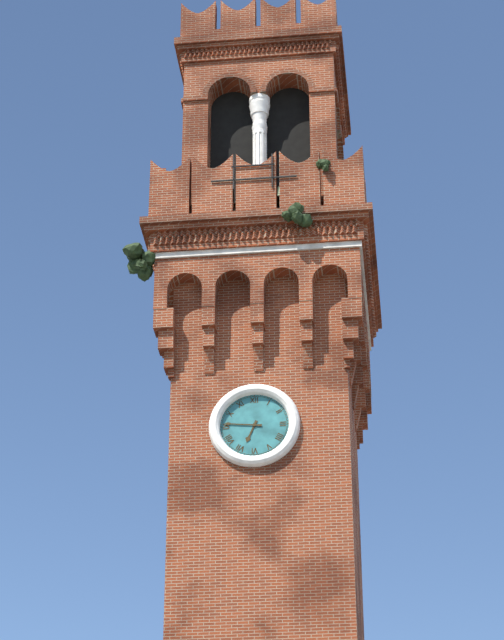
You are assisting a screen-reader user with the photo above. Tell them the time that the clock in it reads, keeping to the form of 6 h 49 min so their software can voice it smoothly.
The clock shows 6 h 46 min
